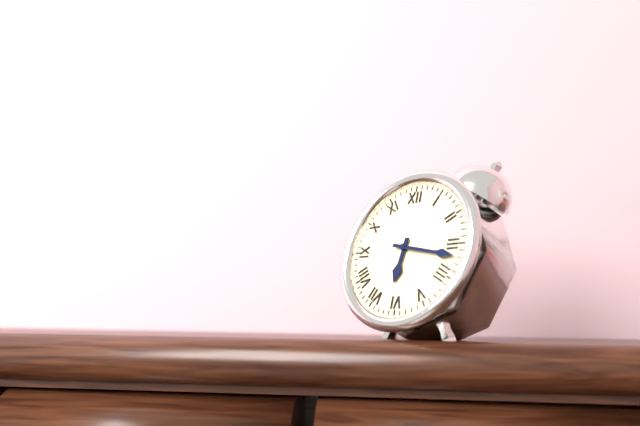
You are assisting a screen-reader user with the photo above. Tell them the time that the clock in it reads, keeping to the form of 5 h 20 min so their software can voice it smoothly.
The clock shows 6 h 17 min
